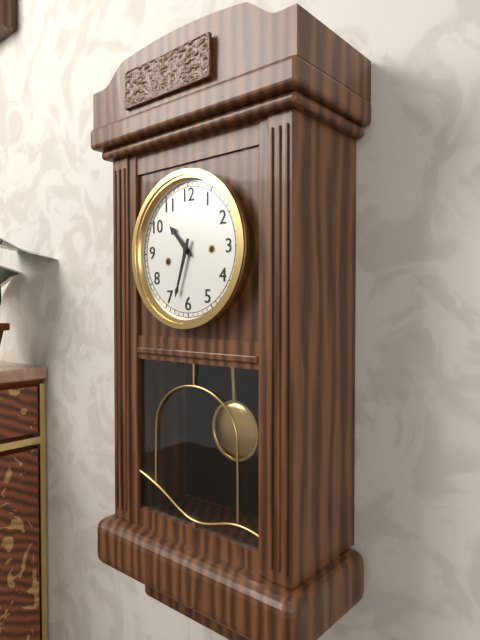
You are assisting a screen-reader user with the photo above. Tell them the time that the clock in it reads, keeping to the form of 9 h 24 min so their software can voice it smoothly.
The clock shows 10 h 33 min
